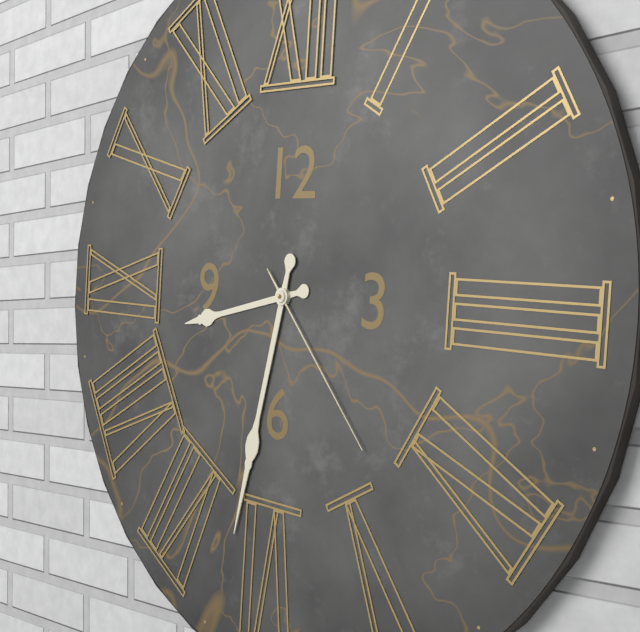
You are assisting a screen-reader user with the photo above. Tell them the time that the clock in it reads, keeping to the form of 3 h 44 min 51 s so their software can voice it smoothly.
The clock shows 8 h 32 min 23 s
